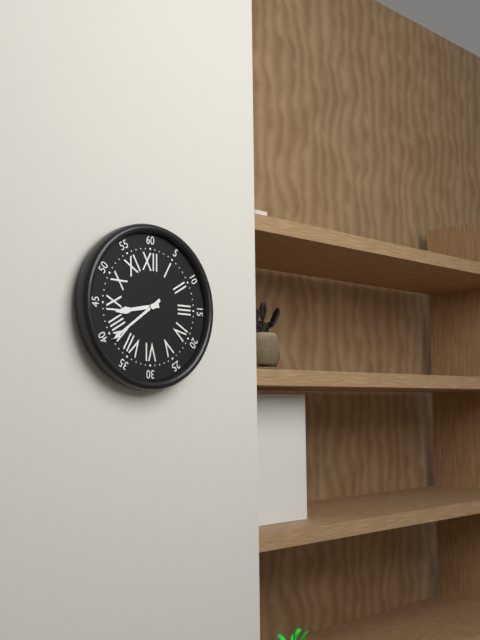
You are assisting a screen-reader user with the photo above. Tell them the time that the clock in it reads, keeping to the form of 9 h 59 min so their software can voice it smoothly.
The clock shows 8 h 39 min
